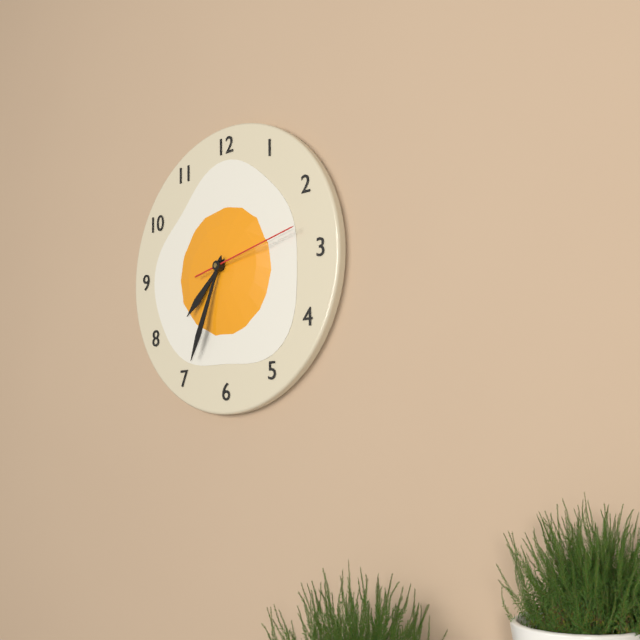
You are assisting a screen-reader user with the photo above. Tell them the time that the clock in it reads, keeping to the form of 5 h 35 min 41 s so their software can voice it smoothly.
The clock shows 7 h 34 min 13 s
